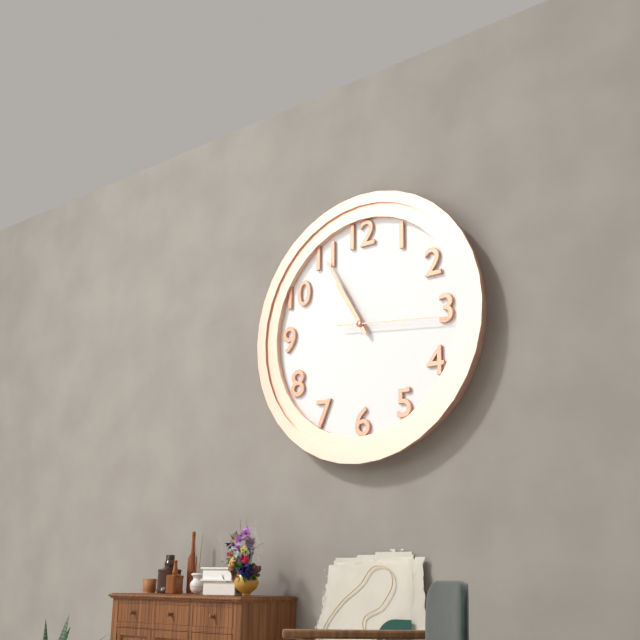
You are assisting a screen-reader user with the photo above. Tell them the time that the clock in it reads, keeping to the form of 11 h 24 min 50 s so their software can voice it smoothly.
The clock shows 10 h 55 min 16 s
